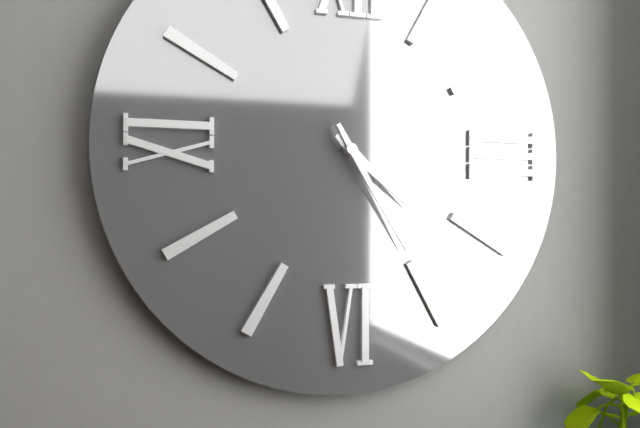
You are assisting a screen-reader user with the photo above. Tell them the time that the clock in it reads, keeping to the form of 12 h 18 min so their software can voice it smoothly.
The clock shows 4 h 25 min
